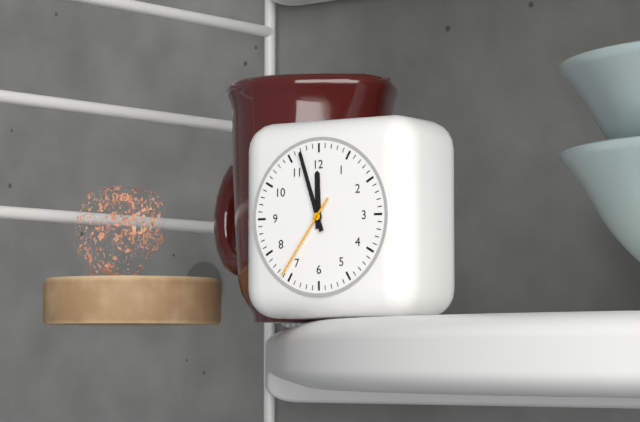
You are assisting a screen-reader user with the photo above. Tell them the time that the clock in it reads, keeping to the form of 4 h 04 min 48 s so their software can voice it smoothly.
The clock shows 11 h 57 min 36 s
